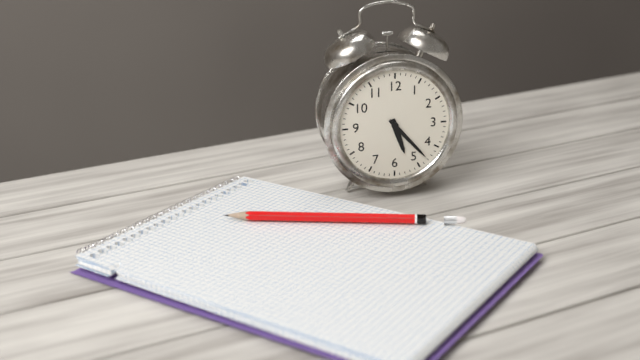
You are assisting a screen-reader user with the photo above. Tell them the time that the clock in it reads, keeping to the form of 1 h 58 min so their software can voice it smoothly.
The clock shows 5 h 23 min
